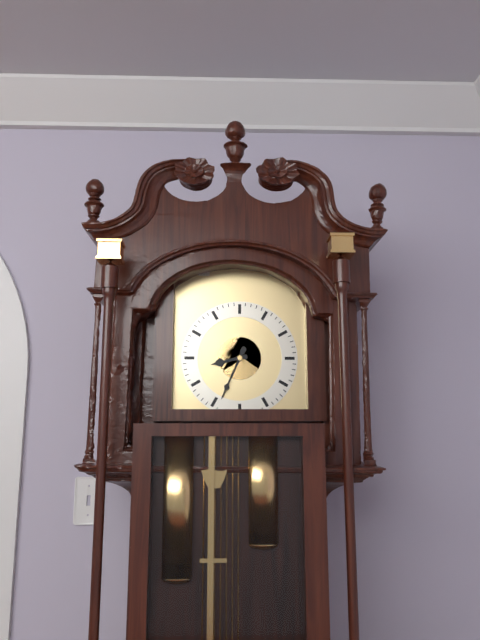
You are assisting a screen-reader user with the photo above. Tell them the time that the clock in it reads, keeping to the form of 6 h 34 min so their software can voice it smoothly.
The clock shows 8 h 34 min
